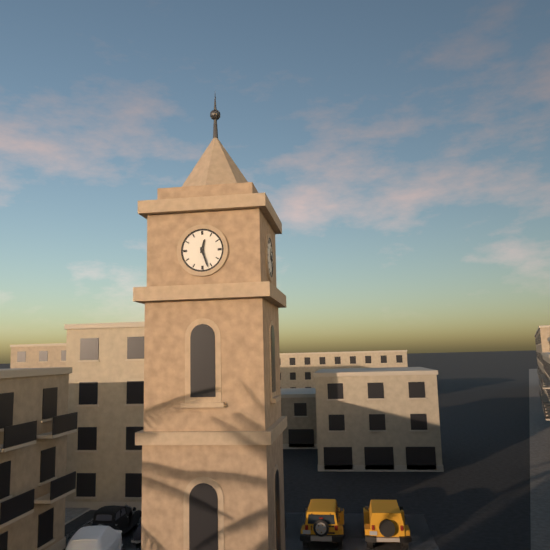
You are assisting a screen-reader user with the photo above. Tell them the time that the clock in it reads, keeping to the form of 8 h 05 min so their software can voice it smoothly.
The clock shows 12 h 27 min
